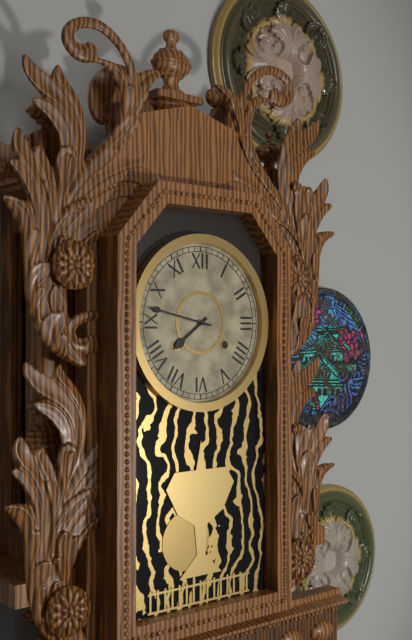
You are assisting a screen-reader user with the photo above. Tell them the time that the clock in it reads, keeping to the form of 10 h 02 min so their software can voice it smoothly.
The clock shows 7 h 47 min
